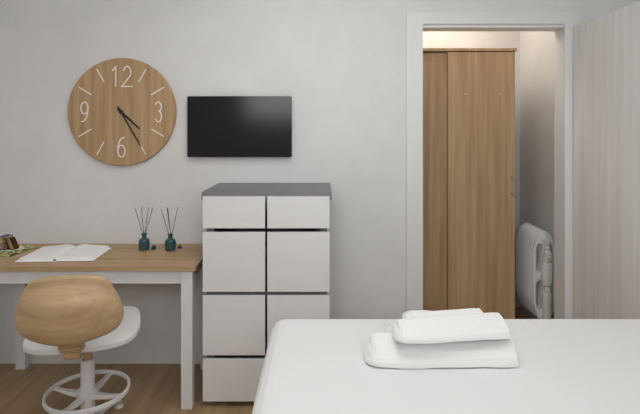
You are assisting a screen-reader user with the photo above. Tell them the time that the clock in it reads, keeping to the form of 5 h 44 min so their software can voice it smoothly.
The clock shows 4 h 25 min
